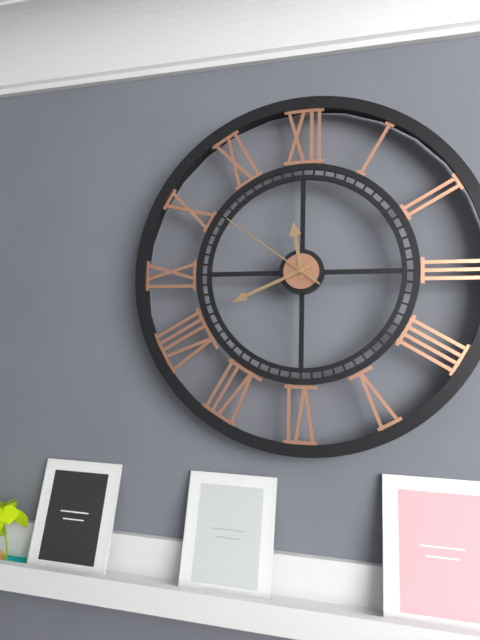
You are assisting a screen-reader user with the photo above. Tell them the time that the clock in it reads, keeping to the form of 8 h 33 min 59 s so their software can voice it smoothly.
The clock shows 11 h 41 min 51 s
